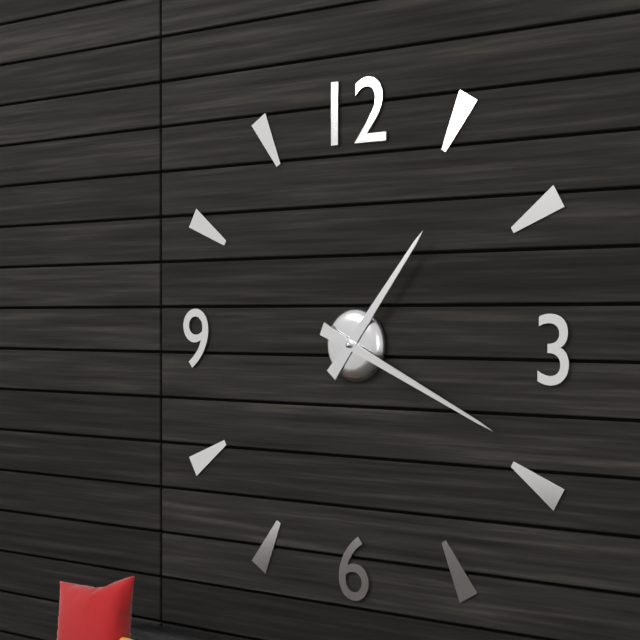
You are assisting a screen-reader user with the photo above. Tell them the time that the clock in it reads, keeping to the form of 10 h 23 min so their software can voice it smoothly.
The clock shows 1 h 19 min
